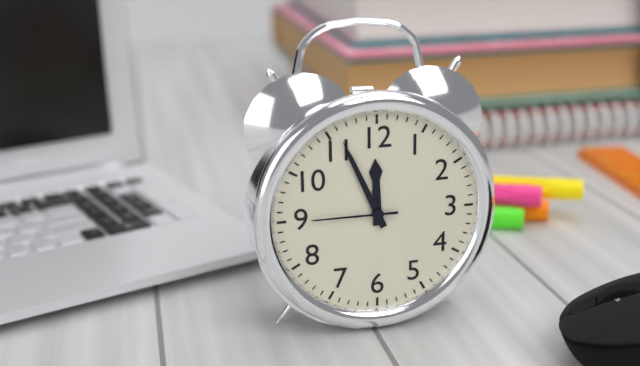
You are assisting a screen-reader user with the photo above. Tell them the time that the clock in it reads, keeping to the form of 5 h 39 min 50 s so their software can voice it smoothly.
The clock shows 11 h 56 min 45 s
